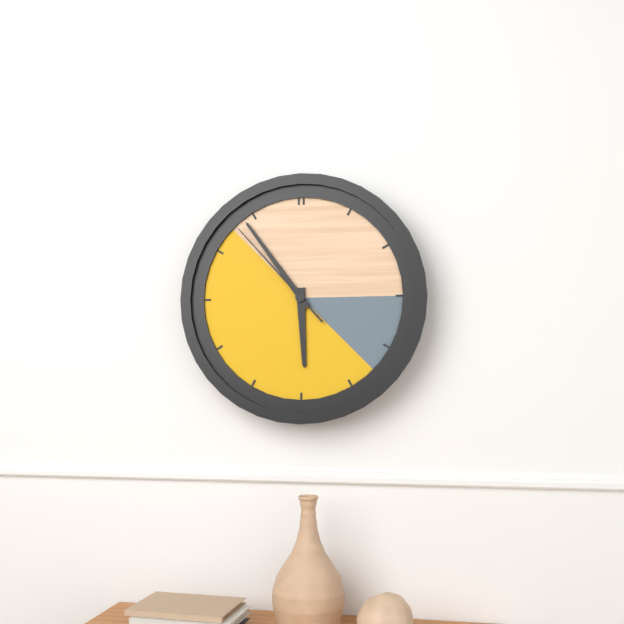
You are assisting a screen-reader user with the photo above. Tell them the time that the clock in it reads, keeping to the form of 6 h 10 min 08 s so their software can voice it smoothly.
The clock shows 5 h 54 min 53 s
